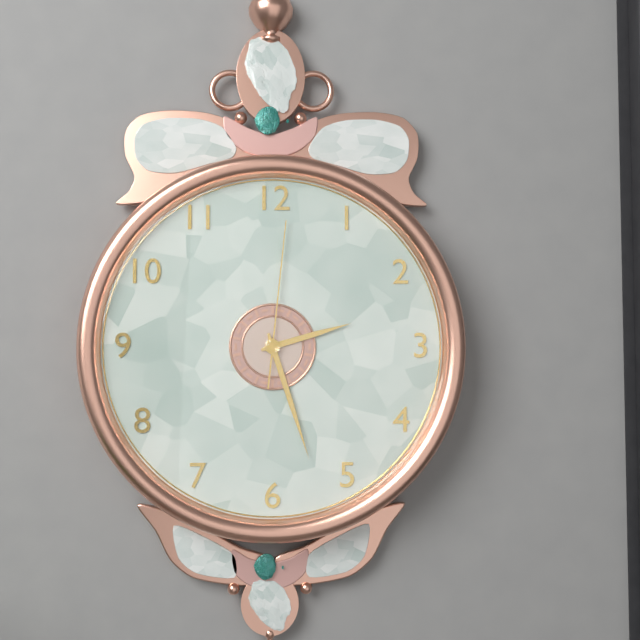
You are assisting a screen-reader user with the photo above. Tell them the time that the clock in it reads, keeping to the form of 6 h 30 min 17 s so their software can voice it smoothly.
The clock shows 2 h 27 min 01 s
